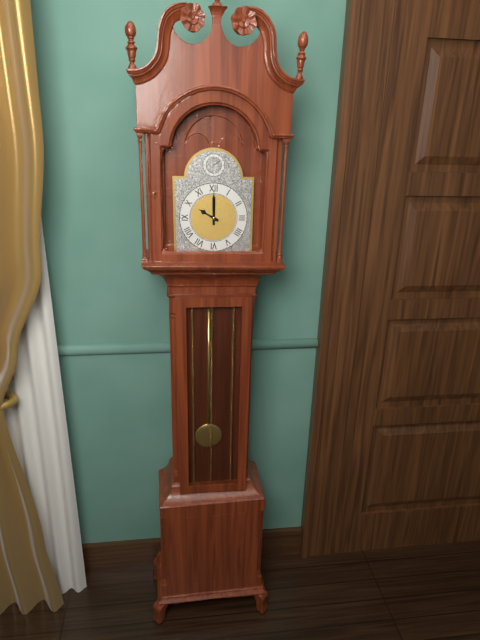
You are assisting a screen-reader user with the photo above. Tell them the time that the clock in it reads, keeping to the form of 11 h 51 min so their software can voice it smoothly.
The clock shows 10 h 00 min
